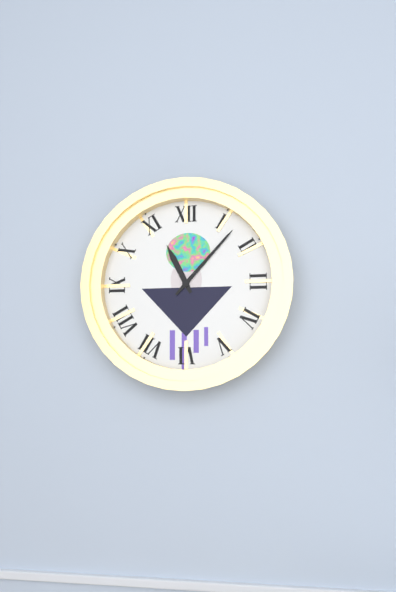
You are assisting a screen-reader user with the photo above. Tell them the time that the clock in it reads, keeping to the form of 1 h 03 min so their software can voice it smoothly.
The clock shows 11 h 07 min
